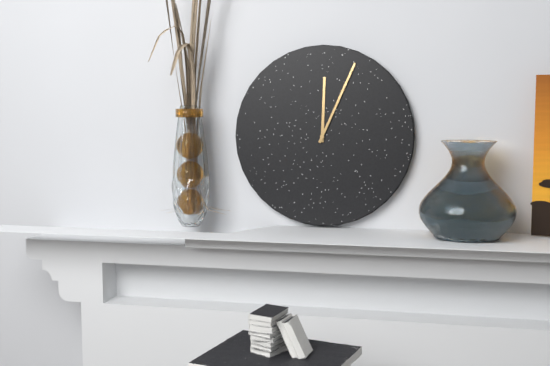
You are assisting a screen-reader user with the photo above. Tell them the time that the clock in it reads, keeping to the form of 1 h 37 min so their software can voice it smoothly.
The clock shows 12 h 04 min
